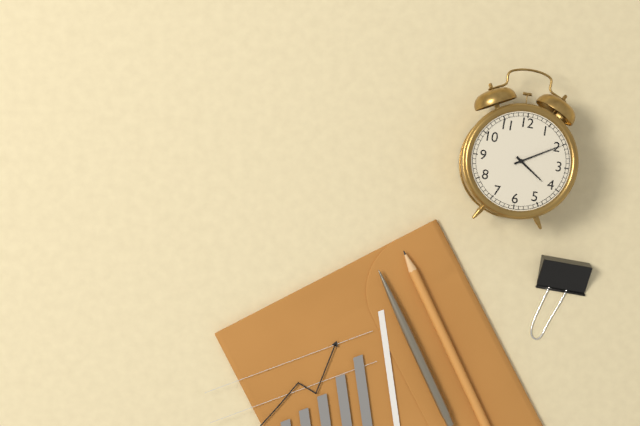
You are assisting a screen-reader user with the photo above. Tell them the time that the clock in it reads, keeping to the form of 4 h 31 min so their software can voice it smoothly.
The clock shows 4 h 10 min
